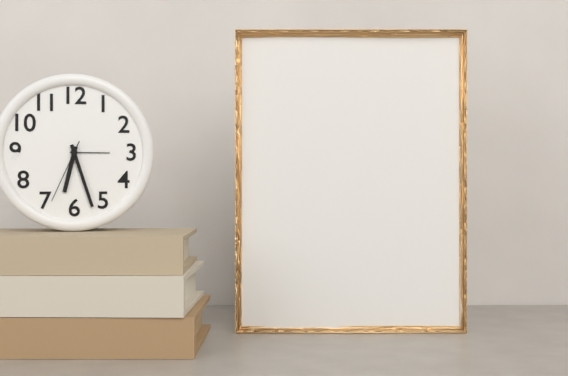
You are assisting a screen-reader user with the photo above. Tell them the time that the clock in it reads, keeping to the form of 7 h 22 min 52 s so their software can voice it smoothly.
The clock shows 6 h 27 min 34 s
